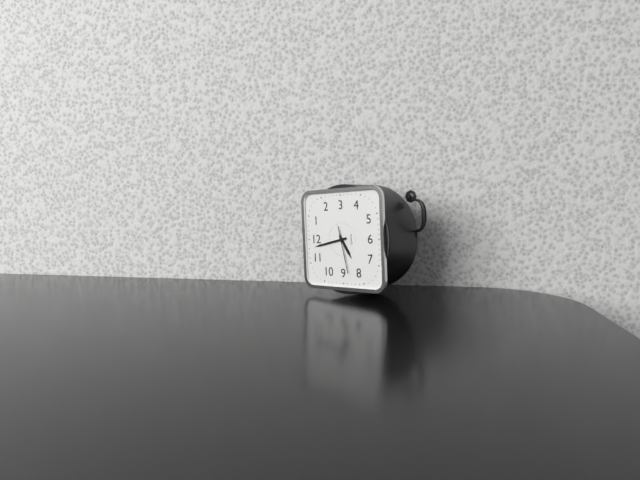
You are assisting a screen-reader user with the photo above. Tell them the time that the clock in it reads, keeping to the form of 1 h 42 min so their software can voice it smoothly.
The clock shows 7 h 58 min
